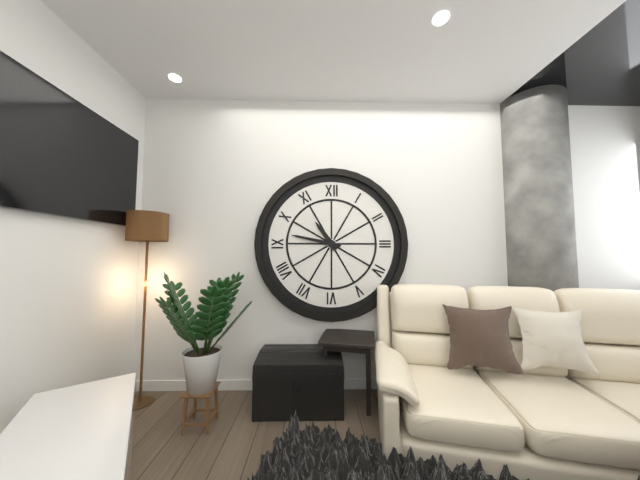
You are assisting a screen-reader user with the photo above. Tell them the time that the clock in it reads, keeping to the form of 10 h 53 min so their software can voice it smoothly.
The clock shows 10 h 47 min
